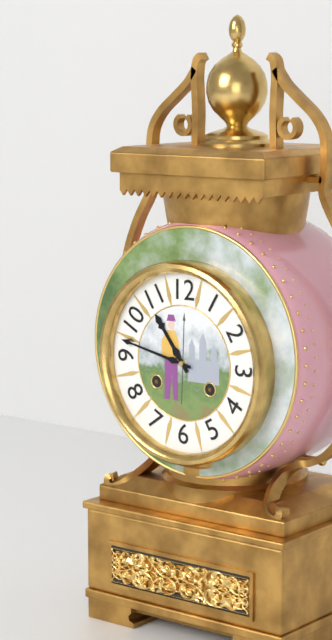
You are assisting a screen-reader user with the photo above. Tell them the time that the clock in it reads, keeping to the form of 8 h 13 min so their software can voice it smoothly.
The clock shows 10 h 47 min
